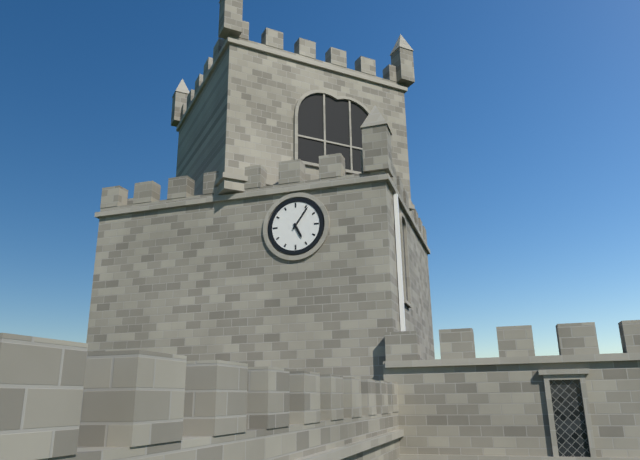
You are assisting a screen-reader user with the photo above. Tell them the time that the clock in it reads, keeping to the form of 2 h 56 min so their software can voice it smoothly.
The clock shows 5 h 06 min
